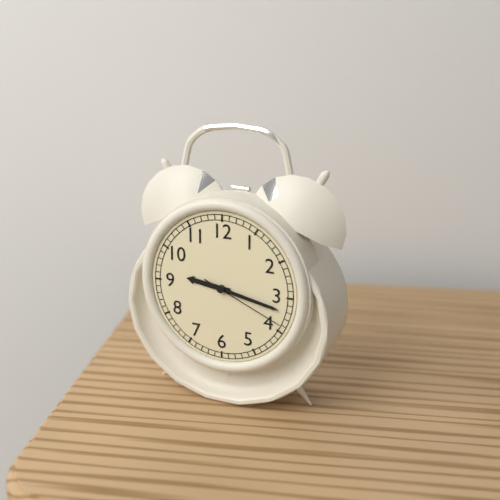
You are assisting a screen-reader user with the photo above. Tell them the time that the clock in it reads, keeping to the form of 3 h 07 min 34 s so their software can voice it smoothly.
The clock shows 9 h 17 min 19 s
